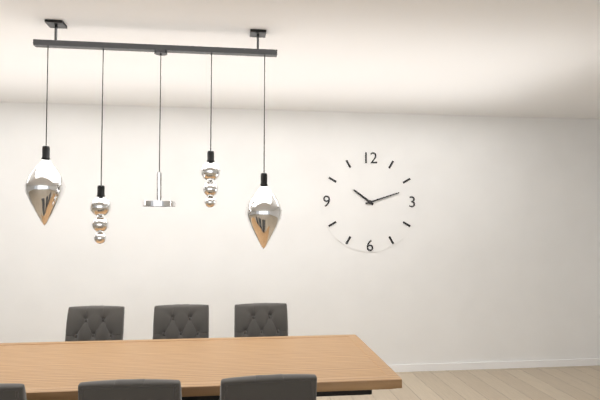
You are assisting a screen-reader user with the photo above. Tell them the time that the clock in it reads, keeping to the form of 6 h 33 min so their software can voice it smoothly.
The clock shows 10 h 12 min
